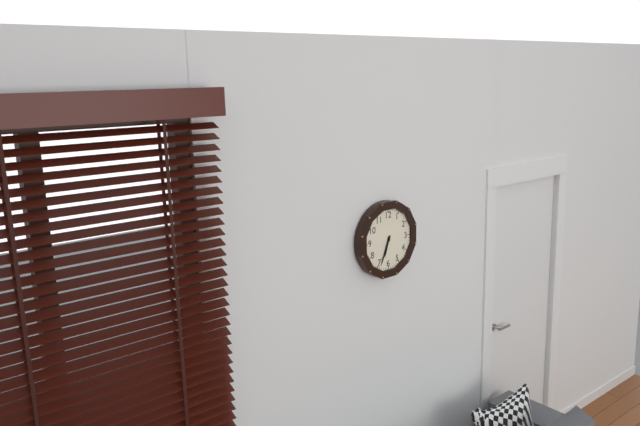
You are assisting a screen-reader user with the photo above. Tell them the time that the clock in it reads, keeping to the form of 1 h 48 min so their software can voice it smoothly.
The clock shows 6 h 34 min
